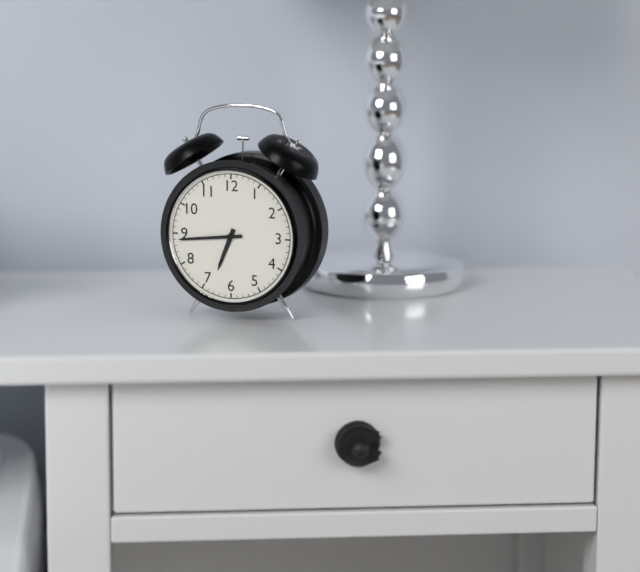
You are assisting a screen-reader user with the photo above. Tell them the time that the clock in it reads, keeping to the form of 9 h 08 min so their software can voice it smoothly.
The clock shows 6 h 44 min
